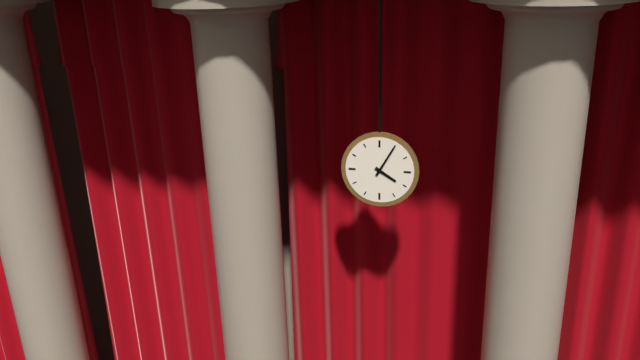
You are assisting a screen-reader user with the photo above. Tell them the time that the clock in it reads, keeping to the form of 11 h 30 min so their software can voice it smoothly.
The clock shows 4 h 05 min
